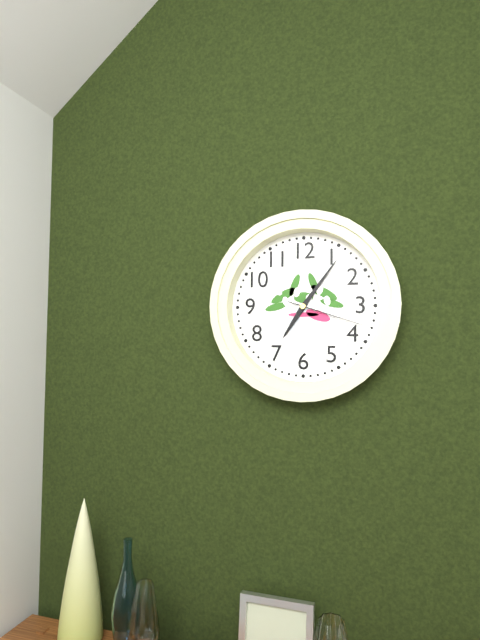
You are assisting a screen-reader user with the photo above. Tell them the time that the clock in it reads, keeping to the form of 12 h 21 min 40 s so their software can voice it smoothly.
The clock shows 7 h 06 min 18 s
